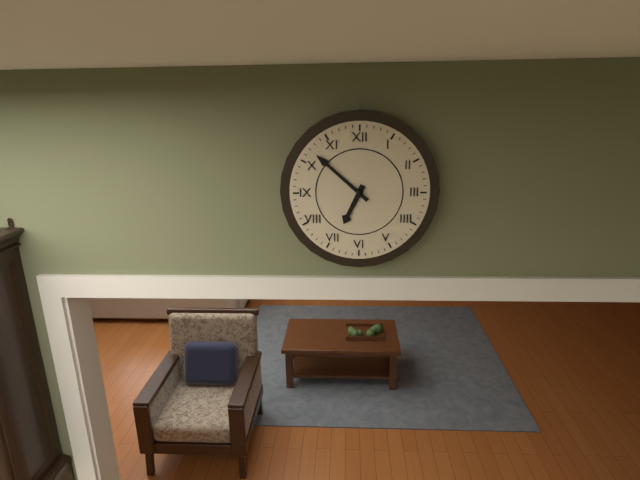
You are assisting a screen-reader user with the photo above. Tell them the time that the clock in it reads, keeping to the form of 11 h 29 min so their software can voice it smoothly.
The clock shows 6 h 52 min
